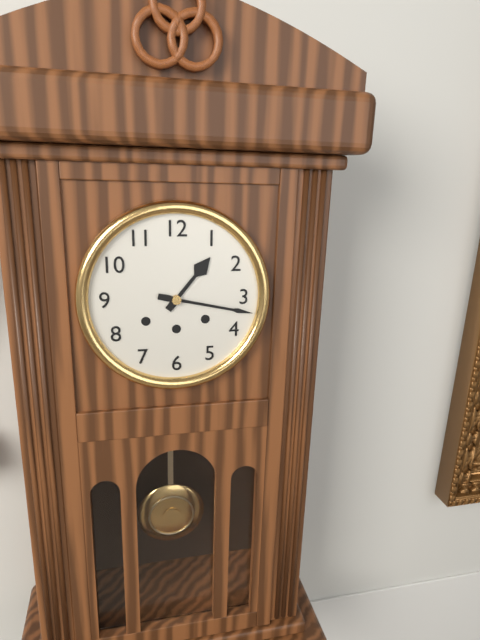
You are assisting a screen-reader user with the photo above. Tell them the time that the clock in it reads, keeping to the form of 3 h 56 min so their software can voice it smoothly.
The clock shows 1 h 17 min
